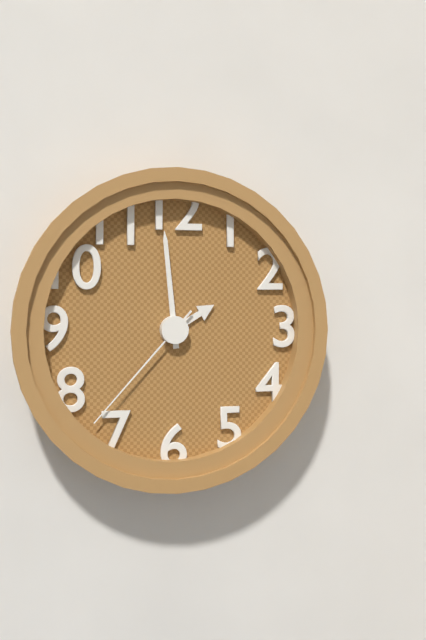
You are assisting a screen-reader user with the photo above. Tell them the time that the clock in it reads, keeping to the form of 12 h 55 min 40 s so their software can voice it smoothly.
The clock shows 1 h 59 min 37 s
